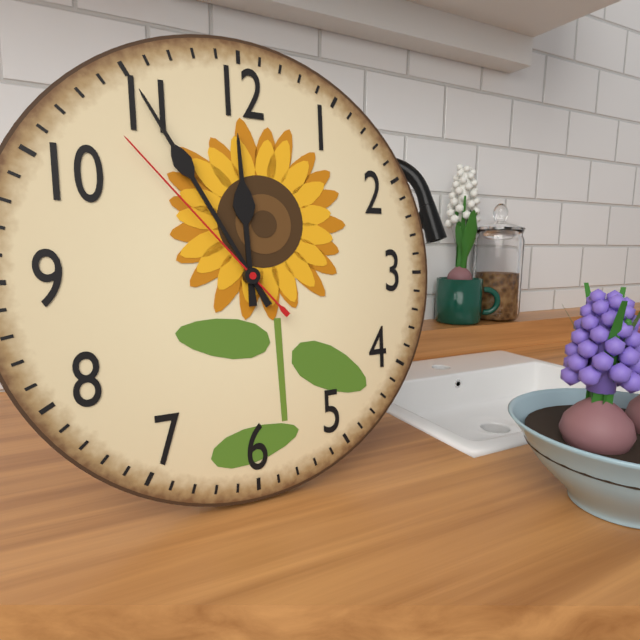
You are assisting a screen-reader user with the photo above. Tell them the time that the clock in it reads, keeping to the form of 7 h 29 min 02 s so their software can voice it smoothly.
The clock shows 11 h 55 min 53 s
